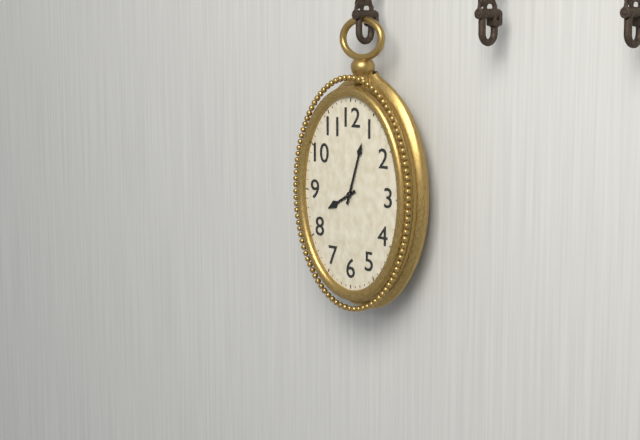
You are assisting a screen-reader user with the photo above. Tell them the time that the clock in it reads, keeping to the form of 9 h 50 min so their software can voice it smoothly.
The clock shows 8 h 03 min
